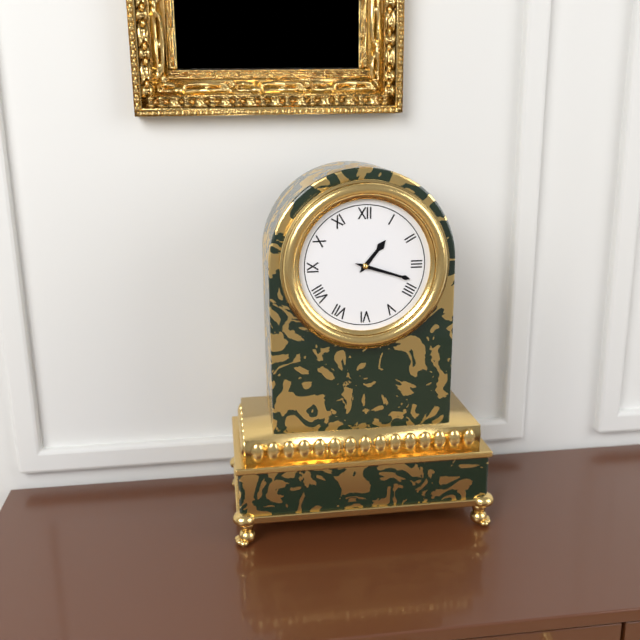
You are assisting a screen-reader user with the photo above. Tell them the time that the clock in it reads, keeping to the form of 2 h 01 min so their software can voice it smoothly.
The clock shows 1 h 18 min
